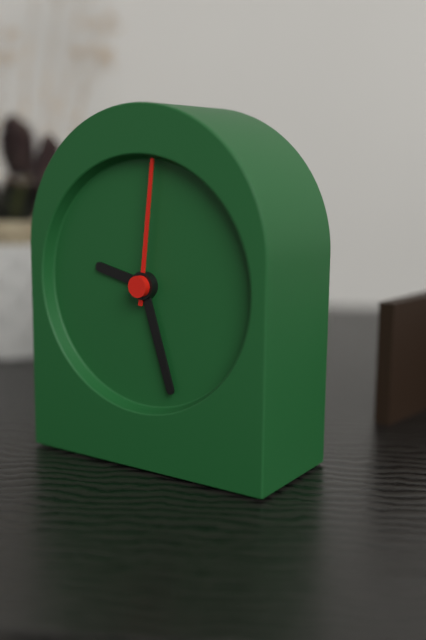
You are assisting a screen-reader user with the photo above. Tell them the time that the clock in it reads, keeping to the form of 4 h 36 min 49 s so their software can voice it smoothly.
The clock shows 9 h 27 min 01 s
